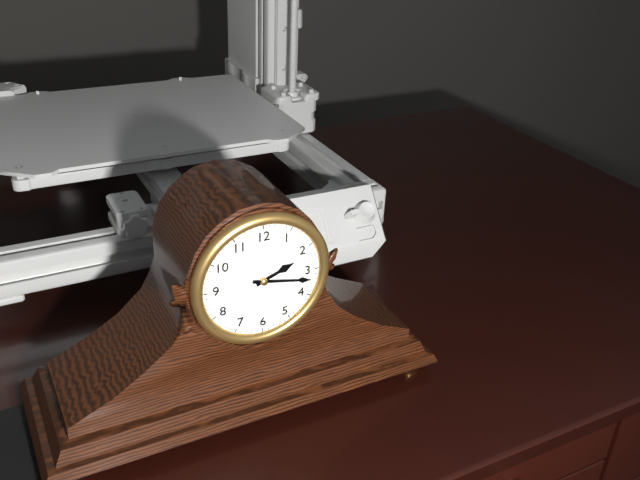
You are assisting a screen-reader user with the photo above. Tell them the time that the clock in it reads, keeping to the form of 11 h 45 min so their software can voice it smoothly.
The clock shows 2 h 17 min
